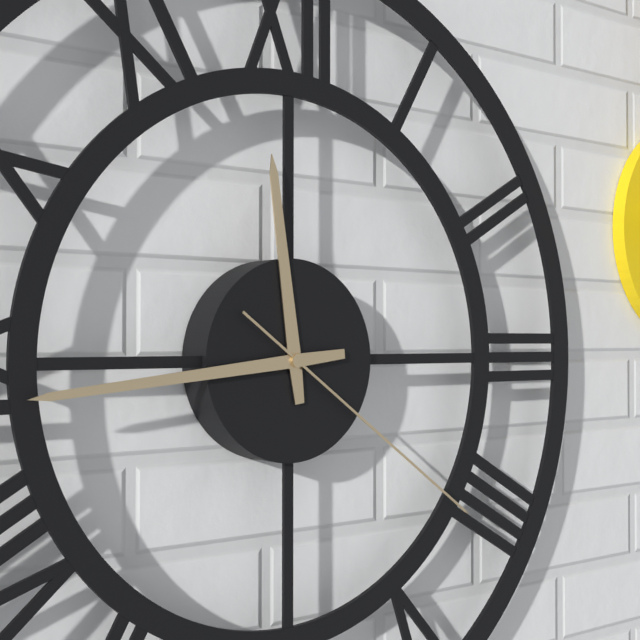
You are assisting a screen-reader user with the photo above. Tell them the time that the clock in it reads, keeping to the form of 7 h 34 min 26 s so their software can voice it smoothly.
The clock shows 11 h 44 min 21 s
